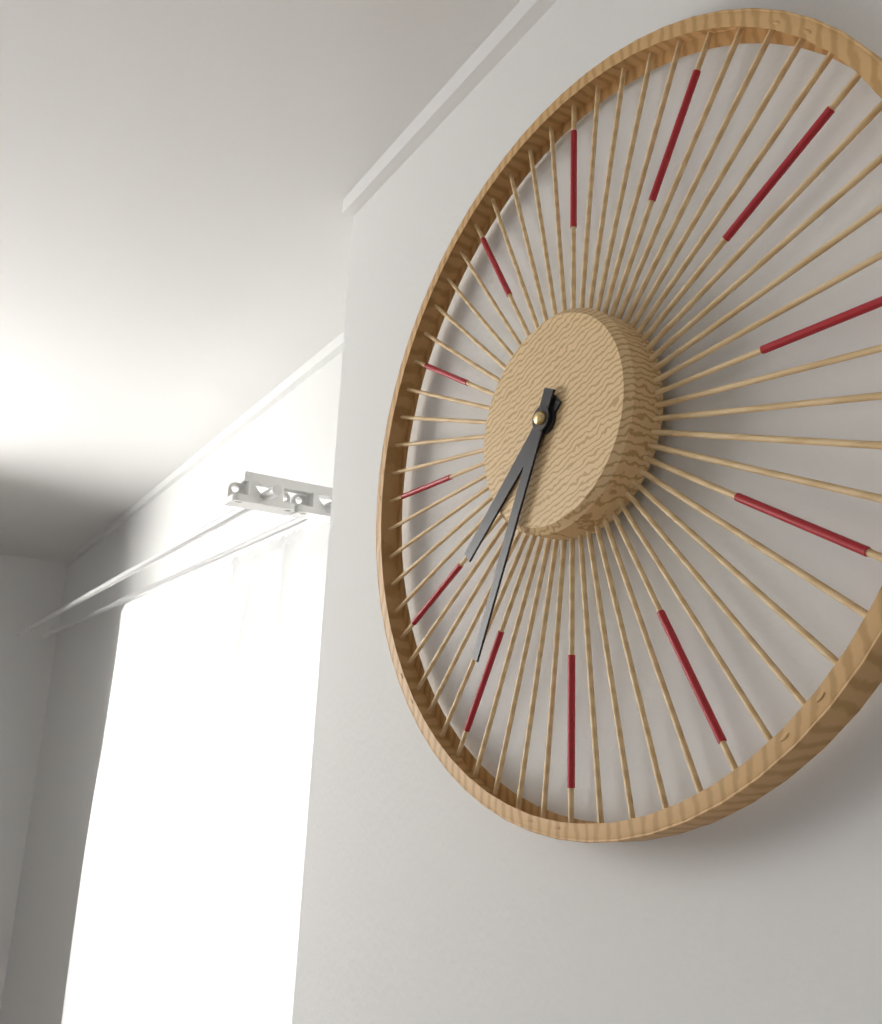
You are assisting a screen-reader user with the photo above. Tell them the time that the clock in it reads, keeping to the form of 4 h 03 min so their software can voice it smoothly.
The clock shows 7 h 34 min
